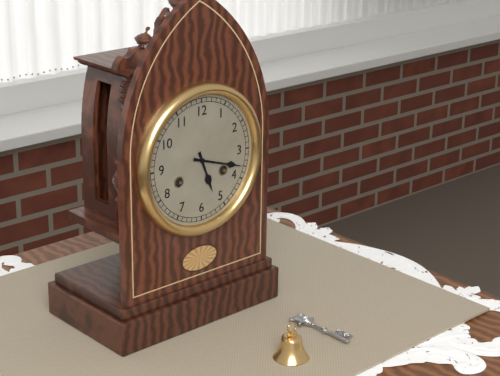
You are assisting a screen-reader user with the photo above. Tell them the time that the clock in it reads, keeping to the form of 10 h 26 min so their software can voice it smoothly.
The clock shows 5 h 18 min
